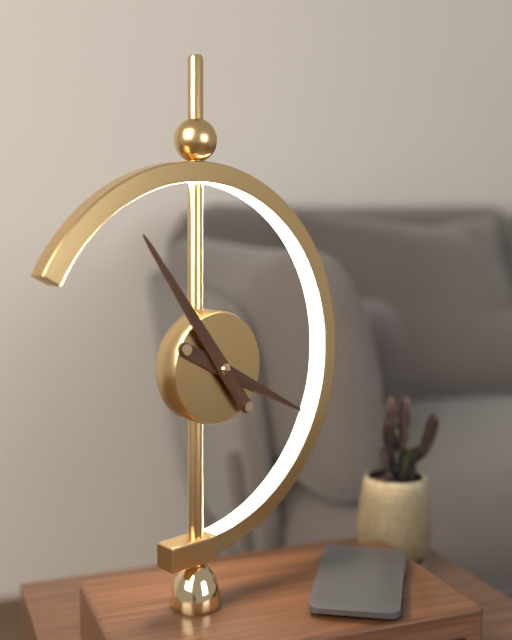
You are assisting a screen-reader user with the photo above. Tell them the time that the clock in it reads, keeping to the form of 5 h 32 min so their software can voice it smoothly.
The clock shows 3 h 54 min
